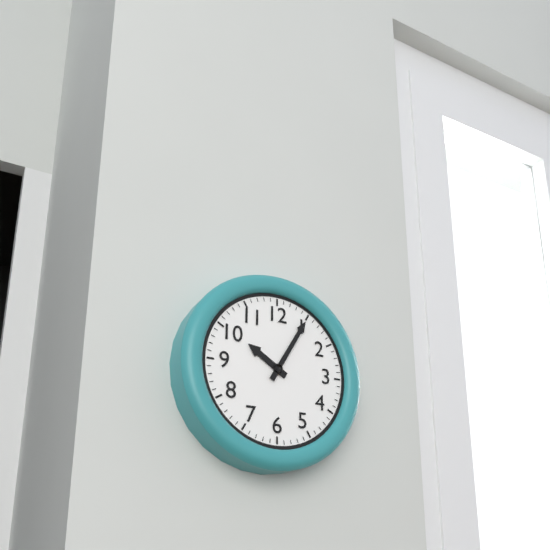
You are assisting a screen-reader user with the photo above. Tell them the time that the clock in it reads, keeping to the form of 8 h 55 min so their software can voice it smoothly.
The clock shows 10 h 05 min
